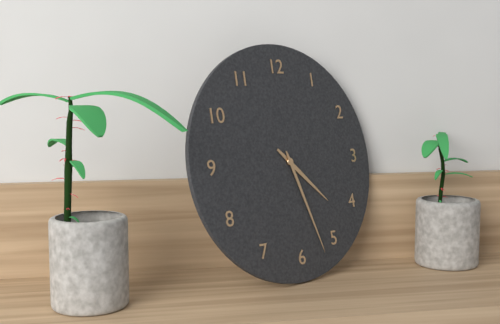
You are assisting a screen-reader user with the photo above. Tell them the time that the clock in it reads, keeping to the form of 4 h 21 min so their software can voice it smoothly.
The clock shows 4 h 27 min
